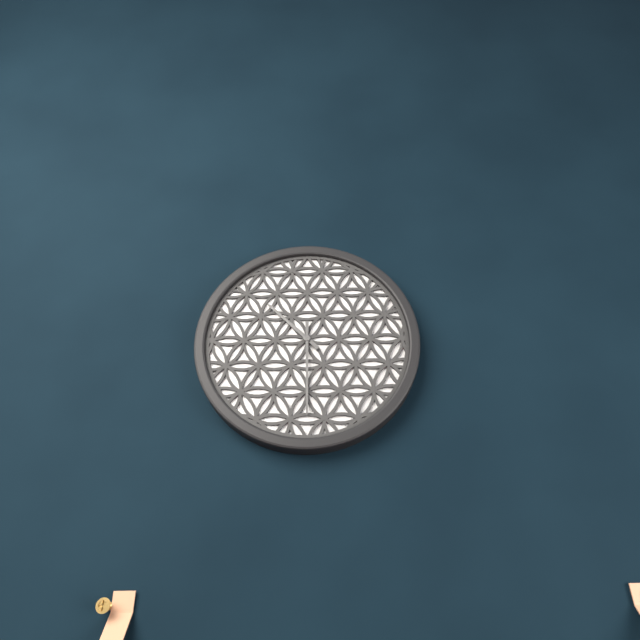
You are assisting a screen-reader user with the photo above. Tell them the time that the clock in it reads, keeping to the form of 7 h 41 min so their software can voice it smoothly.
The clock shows 10 h 30 min
